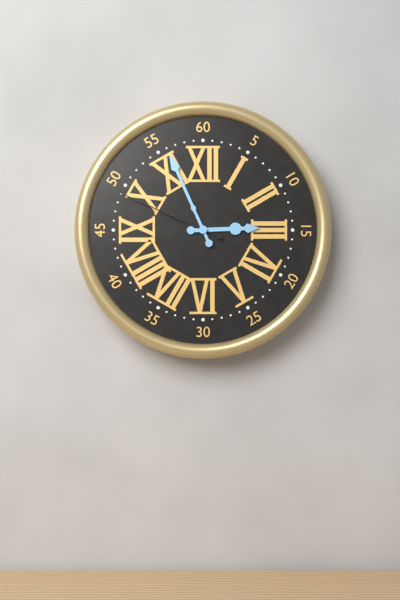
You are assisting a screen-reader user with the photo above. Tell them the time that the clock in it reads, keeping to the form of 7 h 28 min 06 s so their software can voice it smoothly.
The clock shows 2 h 56 min 49 s
